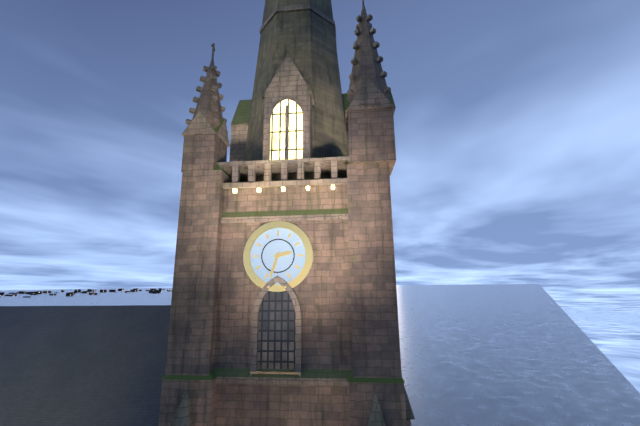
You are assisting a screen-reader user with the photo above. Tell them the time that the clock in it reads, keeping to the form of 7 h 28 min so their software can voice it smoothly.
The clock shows 2 h 33 min
